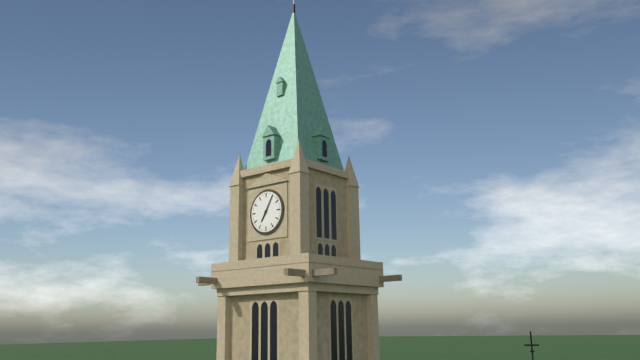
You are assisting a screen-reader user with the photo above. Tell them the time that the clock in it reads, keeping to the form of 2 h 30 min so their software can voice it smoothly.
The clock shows 7 h 05 min
